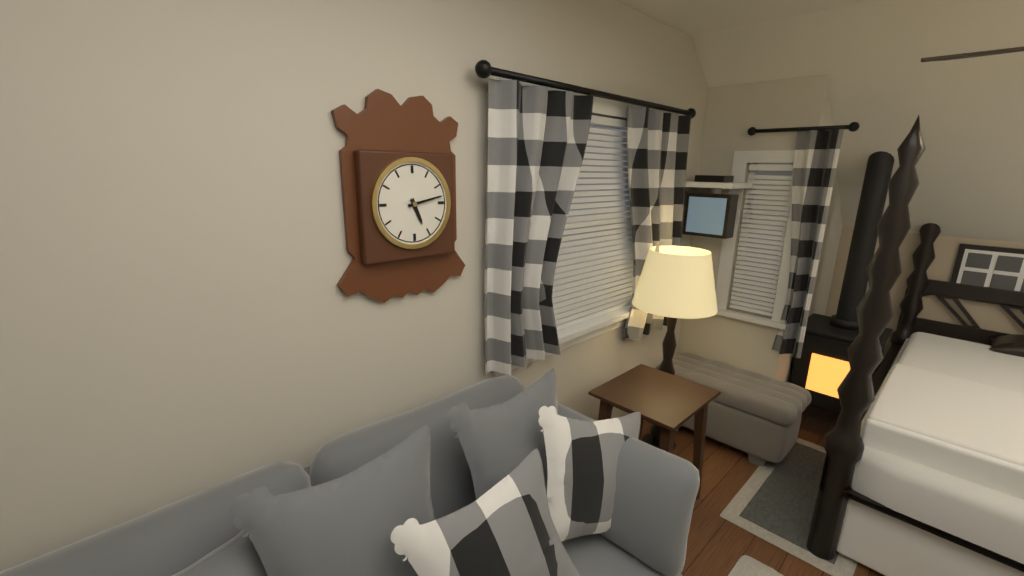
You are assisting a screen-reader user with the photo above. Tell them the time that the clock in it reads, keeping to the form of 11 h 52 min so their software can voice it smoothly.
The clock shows 5 h 13 min
